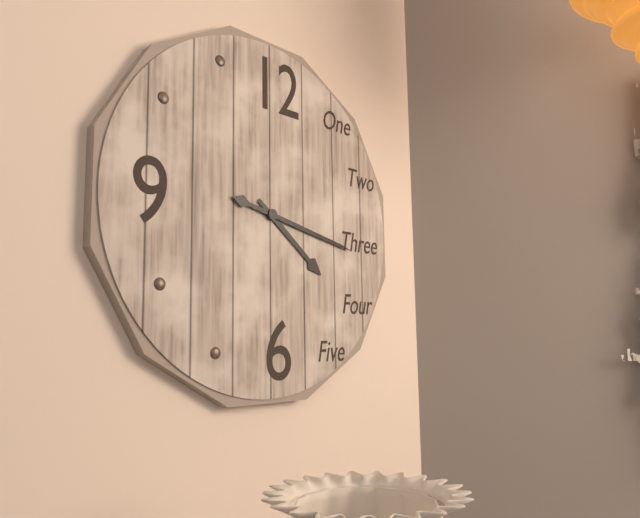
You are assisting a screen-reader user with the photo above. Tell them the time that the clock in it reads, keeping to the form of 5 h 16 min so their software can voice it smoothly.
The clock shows 4 h 17 min
